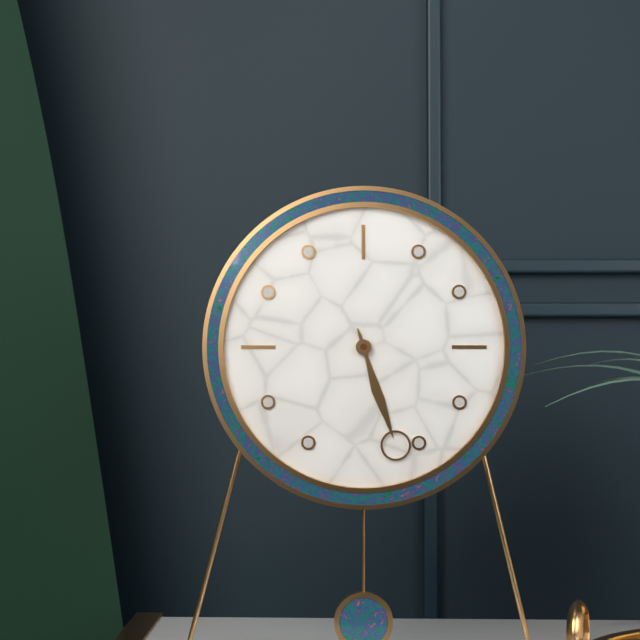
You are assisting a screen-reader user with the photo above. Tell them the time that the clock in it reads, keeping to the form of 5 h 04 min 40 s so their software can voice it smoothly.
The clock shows 5 h 27 min 27 s
